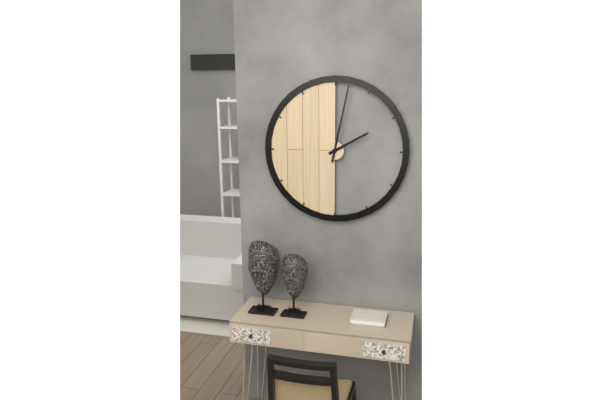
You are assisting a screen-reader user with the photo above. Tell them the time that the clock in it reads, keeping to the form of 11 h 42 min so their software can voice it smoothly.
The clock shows 2 h 02 min
